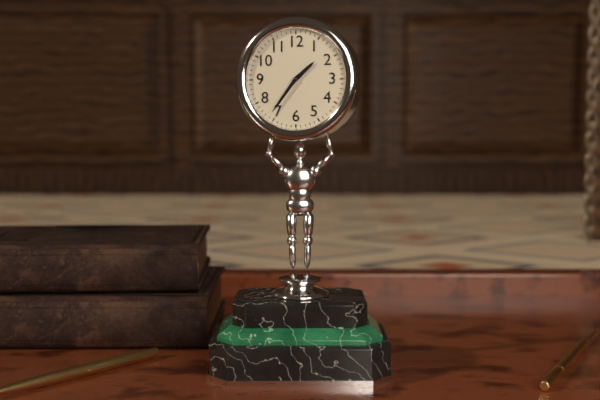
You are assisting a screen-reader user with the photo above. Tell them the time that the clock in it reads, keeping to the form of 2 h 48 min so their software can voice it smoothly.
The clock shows 1 h 36 min
